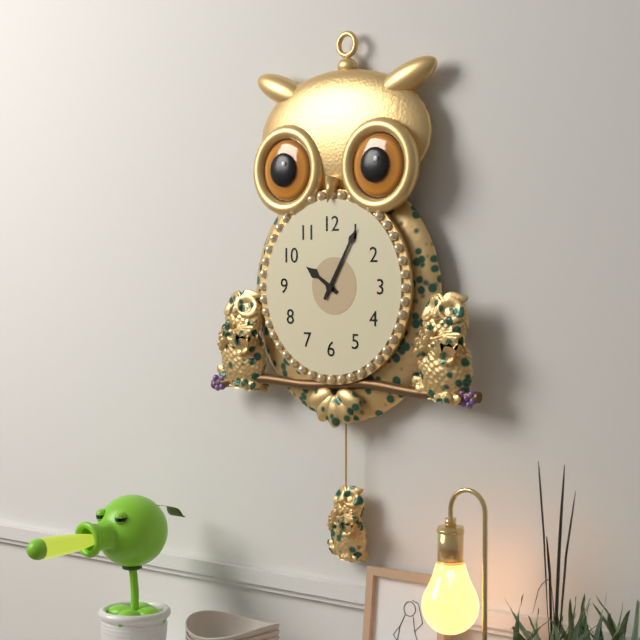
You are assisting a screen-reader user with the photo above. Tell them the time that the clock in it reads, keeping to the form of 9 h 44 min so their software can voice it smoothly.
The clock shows 10 h 05 min
